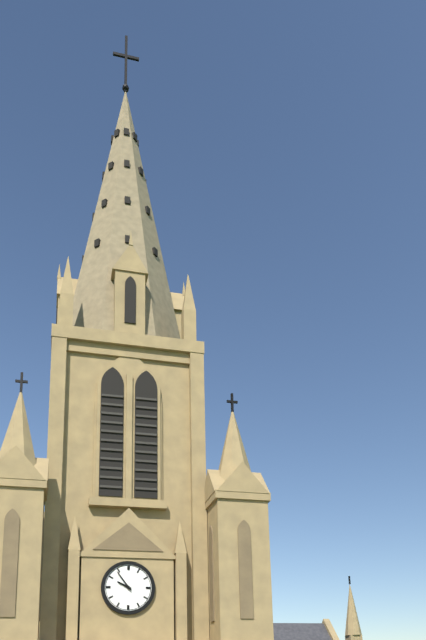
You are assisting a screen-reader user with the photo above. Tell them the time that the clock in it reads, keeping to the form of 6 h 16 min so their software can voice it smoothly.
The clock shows 9 h 54 min
